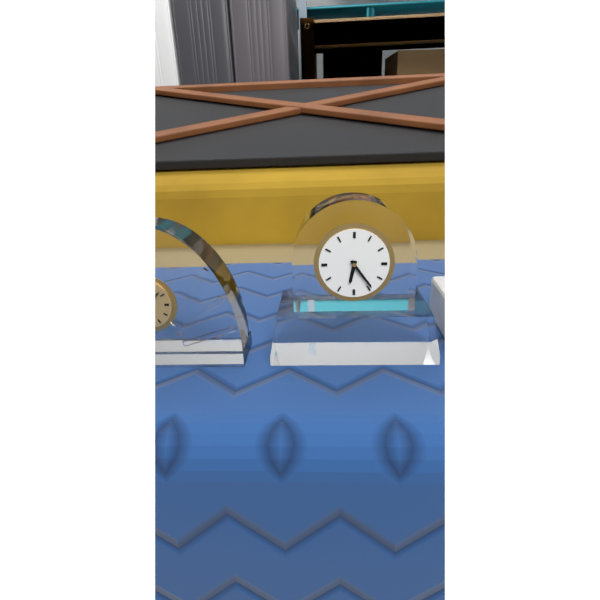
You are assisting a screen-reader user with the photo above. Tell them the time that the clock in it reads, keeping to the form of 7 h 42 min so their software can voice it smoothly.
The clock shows 6 h 24 min
